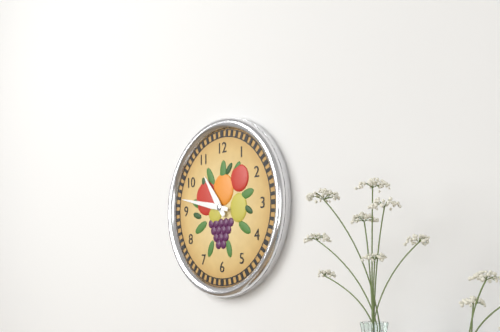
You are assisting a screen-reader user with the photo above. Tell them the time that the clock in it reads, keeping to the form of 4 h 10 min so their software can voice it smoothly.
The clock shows 10 h 47 min
